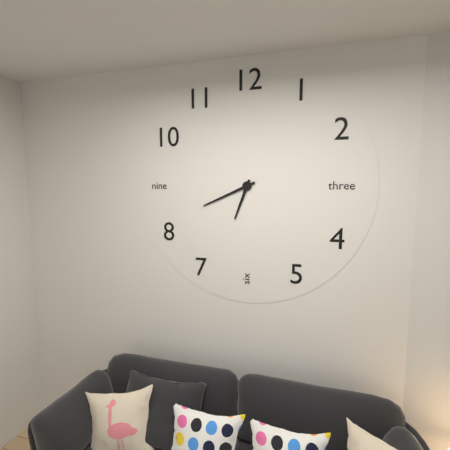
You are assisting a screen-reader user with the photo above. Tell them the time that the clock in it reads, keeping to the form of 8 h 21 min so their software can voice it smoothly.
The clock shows 6 h 41 min
